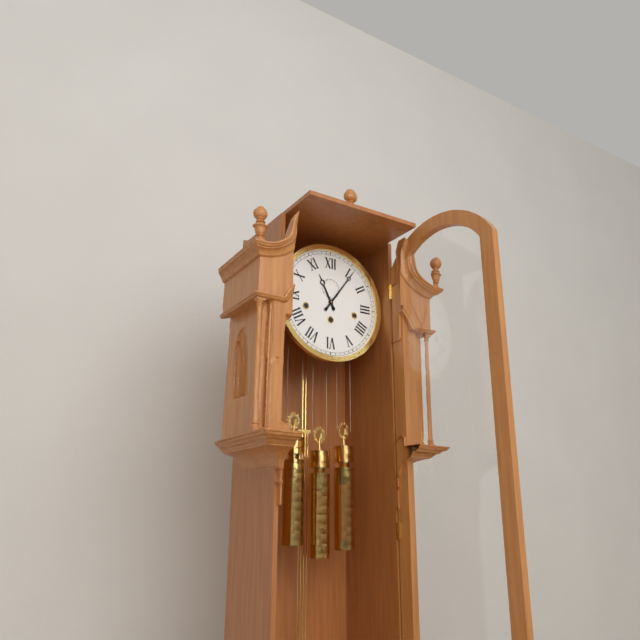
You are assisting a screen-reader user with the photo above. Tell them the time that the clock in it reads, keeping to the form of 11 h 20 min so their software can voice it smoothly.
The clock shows 11 h 06 min
